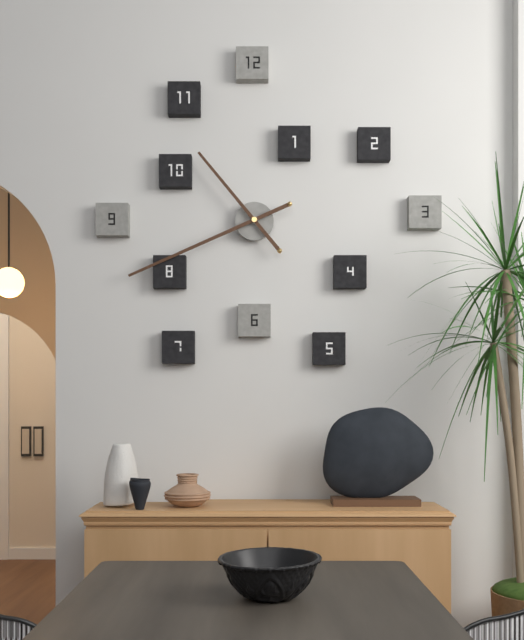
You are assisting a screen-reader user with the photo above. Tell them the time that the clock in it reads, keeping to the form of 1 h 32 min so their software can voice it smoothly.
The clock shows 10 h 41 min
